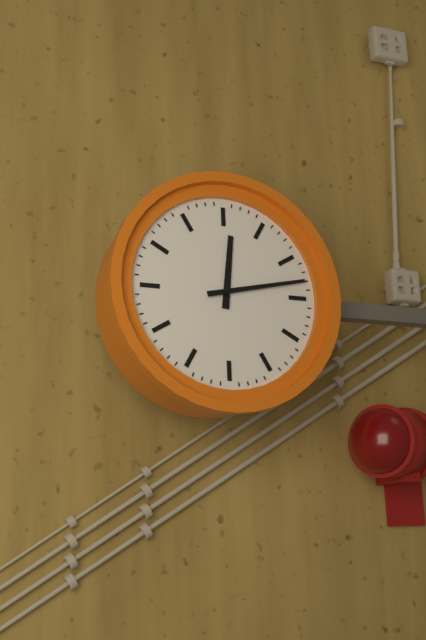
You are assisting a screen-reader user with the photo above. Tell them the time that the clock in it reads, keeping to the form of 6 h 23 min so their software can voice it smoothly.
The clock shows 12 h 13 min
